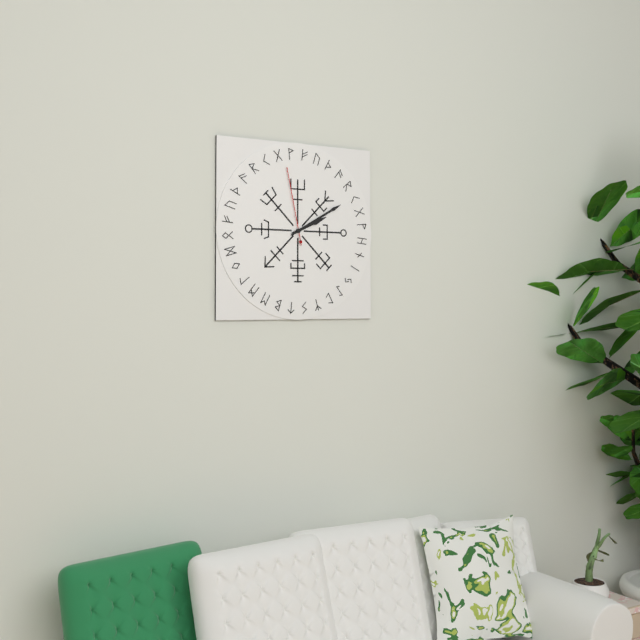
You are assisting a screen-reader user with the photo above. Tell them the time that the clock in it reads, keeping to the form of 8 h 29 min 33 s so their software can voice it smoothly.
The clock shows 2 h 10 min 58 s
